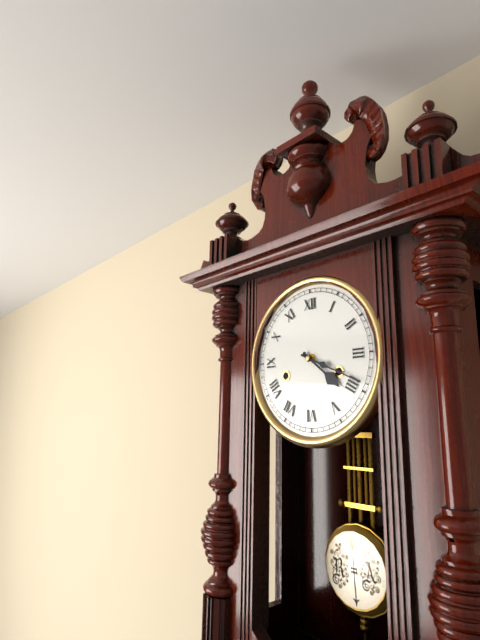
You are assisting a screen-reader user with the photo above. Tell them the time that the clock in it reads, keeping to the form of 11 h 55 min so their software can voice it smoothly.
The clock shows 4 h 19 min
